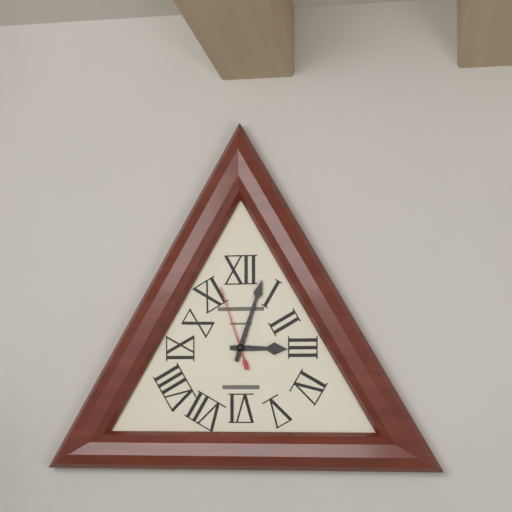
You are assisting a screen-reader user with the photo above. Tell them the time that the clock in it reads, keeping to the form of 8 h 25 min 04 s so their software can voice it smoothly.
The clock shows 3 h 03 min 57 s
